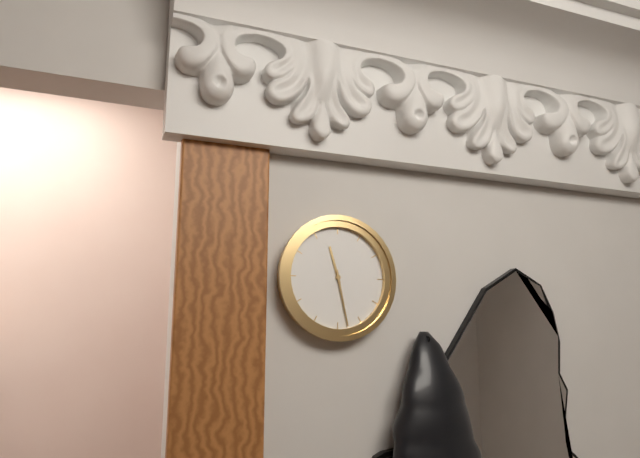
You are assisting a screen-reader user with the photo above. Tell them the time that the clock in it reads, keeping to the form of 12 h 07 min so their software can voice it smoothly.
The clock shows 11 h 28 min
